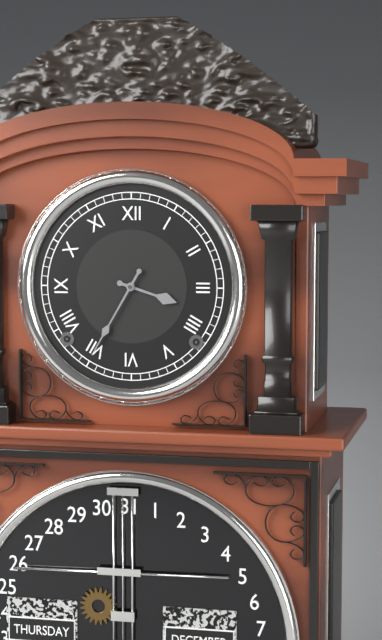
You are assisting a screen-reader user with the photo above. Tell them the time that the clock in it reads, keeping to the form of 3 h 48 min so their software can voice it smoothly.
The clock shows 3 h 35 min
